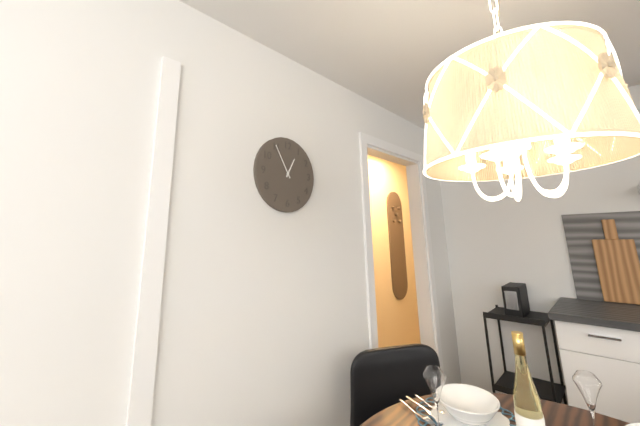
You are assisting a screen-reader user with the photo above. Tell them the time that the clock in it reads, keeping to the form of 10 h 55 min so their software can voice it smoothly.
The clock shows 12 h 55 min
